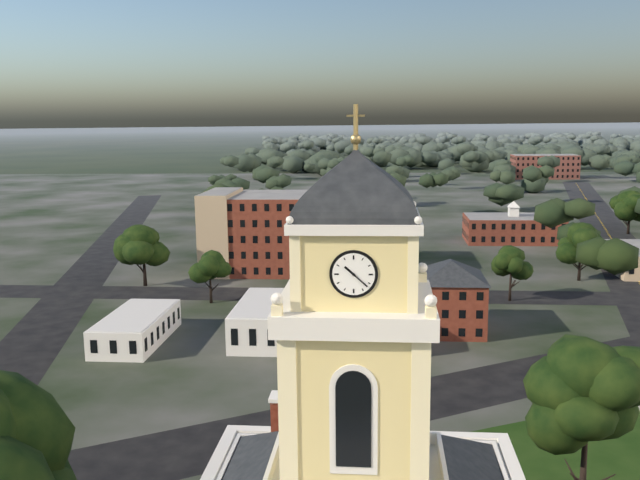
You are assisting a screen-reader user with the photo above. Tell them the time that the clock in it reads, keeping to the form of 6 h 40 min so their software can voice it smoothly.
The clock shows 10 h 22 min
